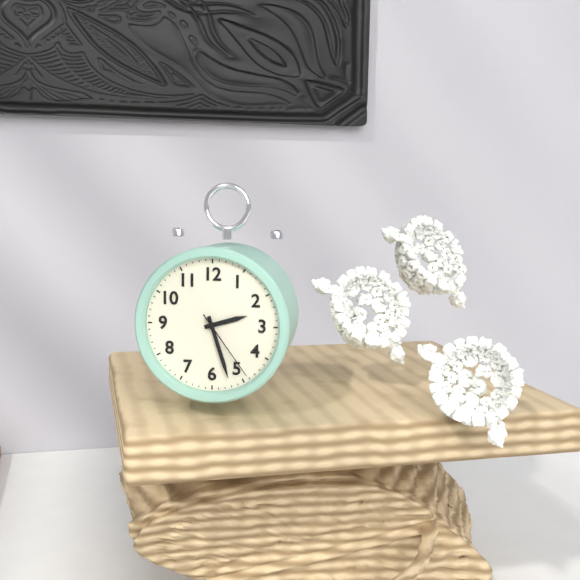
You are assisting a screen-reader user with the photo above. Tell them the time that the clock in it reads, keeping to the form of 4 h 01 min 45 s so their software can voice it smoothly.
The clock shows 2 h 27 min 24 s
